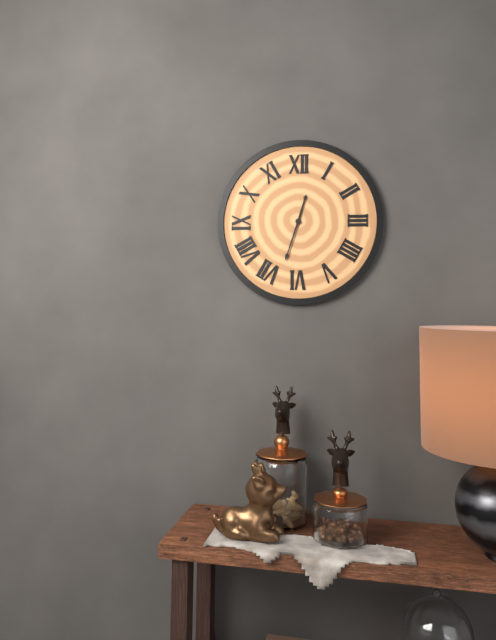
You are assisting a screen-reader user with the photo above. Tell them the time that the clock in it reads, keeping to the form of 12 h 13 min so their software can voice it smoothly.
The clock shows 12 h 33 min
